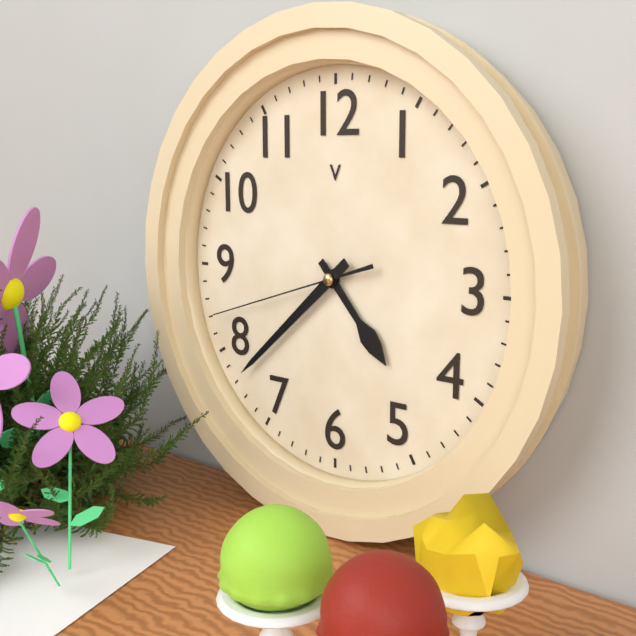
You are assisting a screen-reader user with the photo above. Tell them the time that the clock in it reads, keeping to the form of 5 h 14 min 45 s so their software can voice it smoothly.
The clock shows 4 h 38 min 42 s
